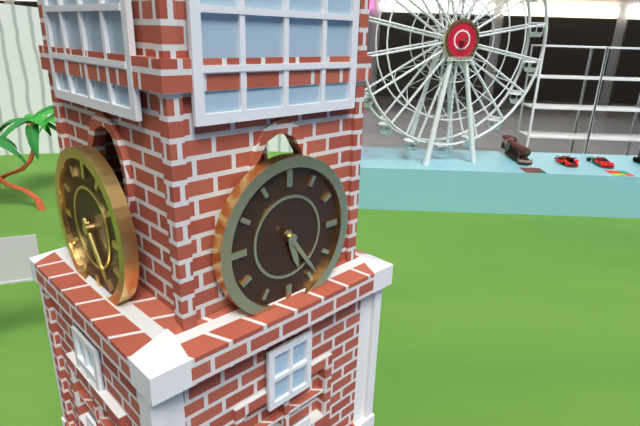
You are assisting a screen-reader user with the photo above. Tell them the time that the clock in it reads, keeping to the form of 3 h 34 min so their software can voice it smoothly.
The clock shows 5 h 24 min
